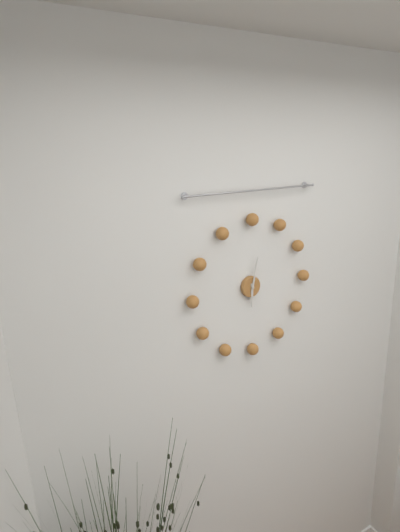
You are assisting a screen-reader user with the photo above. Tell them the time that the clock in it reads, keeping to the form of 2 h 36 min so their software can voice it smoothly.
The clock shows 6 h 02 min
